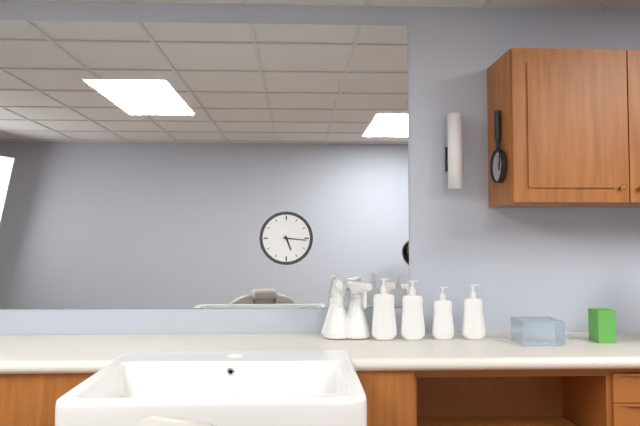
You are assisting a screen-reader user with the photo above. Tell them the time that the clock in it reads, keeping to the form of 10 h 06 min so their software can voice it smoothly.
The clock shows 5 h 16 min
